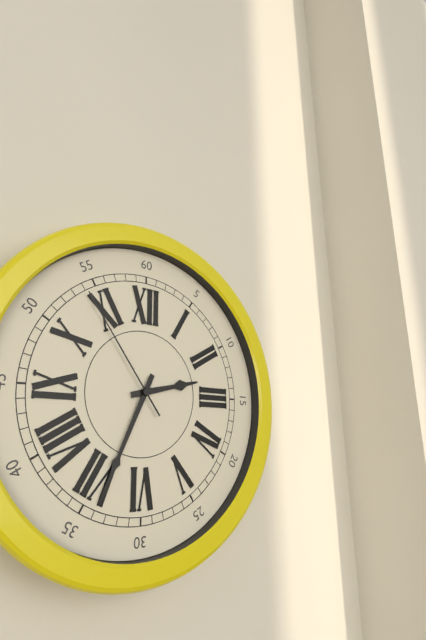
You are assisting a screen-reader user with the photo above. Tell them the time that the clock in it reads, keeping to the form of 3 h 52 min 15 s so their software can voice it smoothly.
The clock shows 2 h 34 min 54 s
